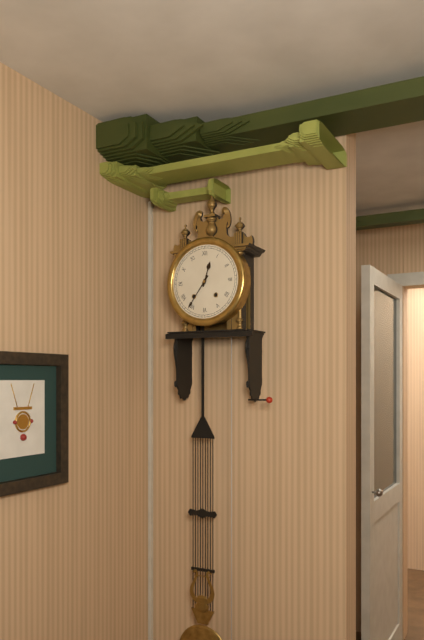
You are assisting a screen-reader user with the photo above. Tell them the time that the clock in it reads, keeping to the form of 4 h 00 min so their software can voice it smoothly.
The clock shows 12 h 36 min
